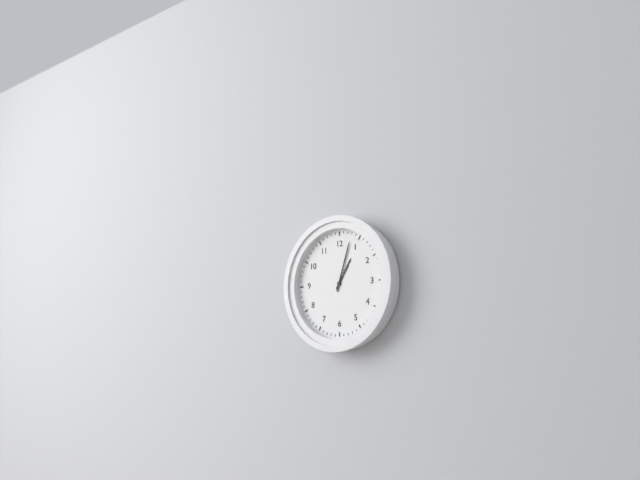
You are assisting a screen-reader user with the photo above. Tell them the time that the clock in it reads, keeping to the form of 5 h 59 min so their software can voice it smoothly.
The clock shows 1 h 03 min
